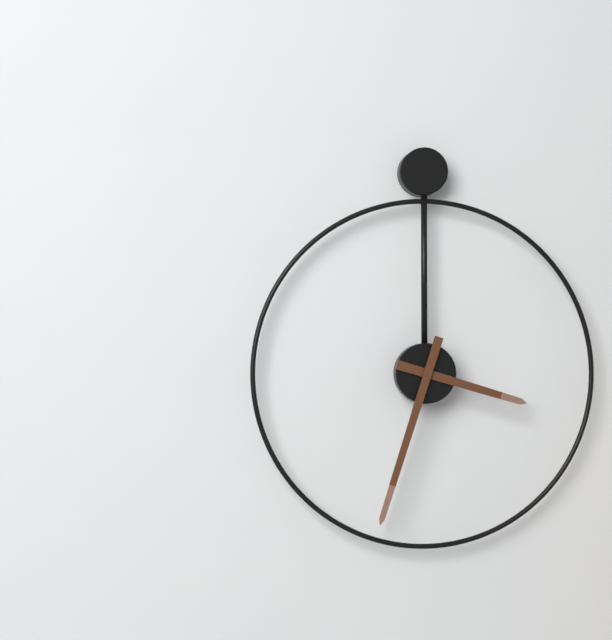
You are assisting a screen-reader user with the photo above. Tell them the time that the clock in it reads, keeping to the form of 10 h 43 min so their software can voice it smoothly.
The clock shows 3 h 33 min
